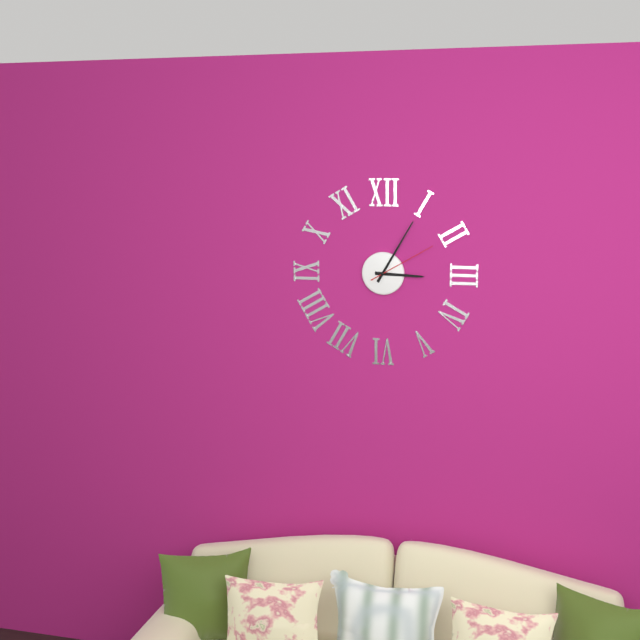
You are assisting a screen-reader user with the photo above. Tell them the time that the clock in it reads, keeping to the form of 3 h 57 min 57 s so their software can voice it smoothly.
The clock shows 3 h 05 min 10 s
